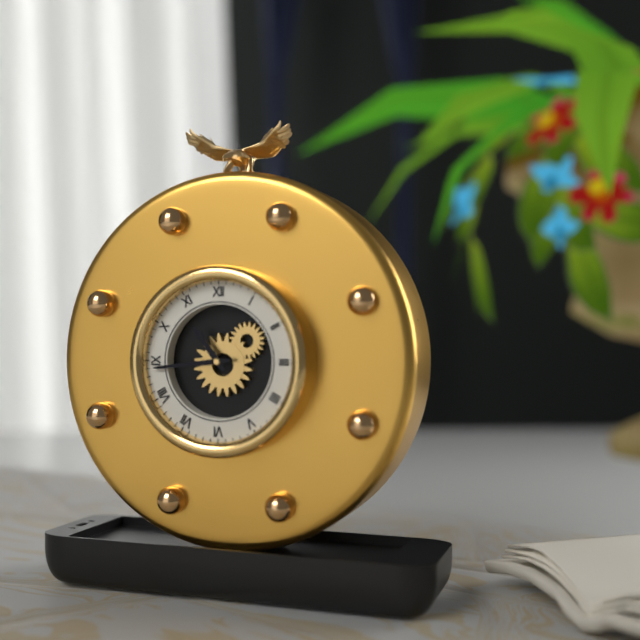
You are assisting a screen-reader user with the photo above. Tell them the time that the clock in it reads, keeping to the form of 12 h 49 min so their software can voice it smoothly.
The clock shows 10 h 44 min
